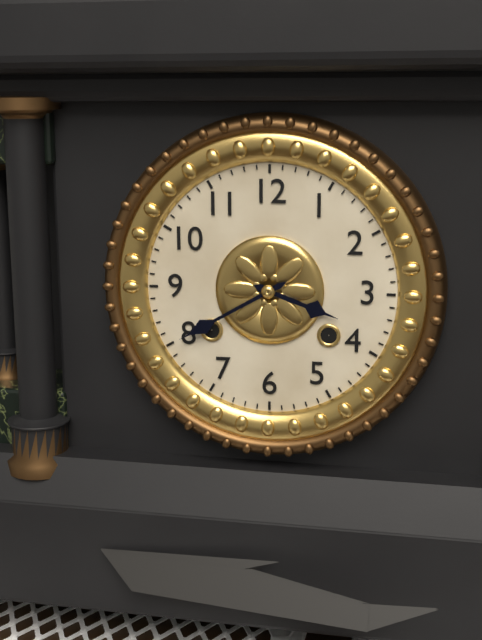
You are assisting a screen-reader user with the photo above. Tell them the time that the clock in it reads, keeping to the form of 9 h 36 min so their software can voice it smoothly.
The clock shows 3 h 40 min
